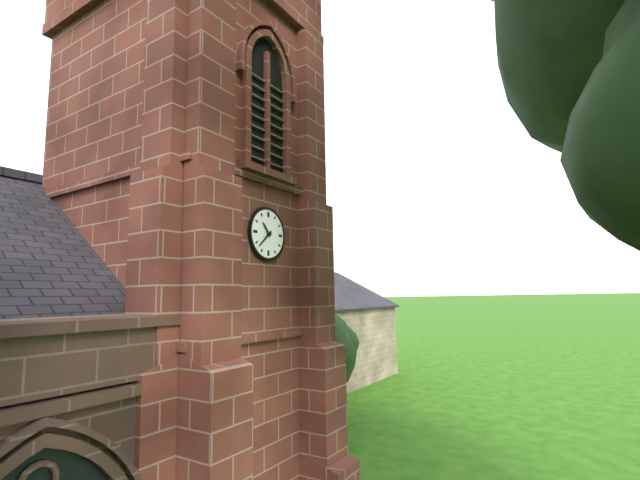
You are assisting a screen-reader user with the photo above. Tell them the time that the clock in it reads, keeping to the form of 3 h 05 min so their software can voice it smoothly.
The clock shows 10 h 38 min
